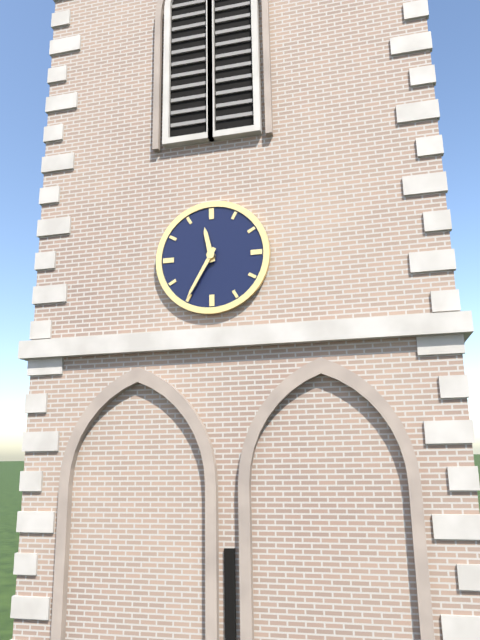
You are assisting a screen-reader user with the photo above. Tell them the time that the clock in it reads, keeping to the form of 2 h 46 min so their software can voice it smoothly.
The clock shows 11 h 35 min
